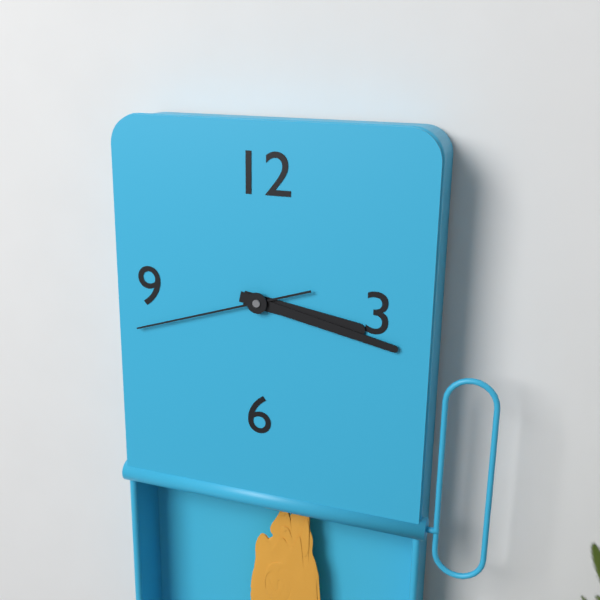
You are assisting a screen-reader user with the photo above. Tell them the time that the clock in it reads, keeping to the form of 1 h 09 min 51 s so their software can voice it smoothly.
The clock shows 3 h 17 min 42 s
